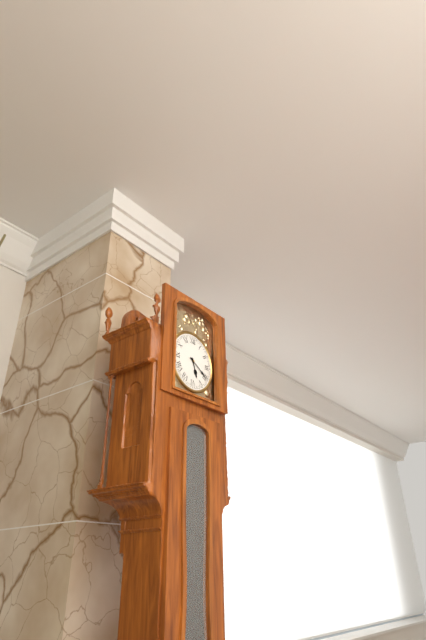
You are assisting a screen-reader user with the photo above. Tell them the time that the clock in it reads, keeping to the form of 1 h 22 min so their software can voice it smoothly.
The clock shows 5 h 20 min
